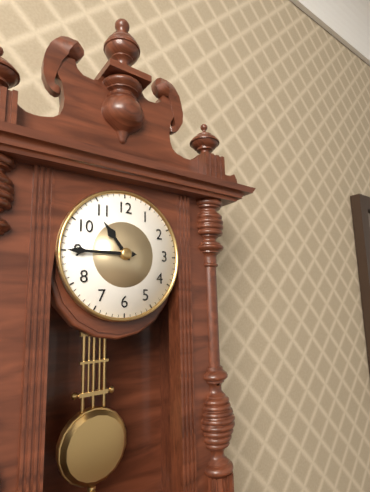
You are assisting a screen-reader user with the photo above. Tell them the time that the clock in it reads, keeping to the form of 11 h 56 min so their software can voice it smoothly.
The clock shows 10 h 45 min
